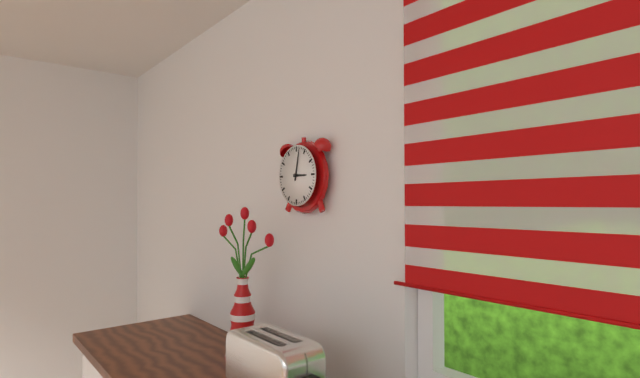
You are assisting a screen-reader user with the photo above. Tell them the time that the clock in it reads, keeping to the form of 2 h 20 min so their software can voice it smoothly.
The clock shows 3 h 02 min
